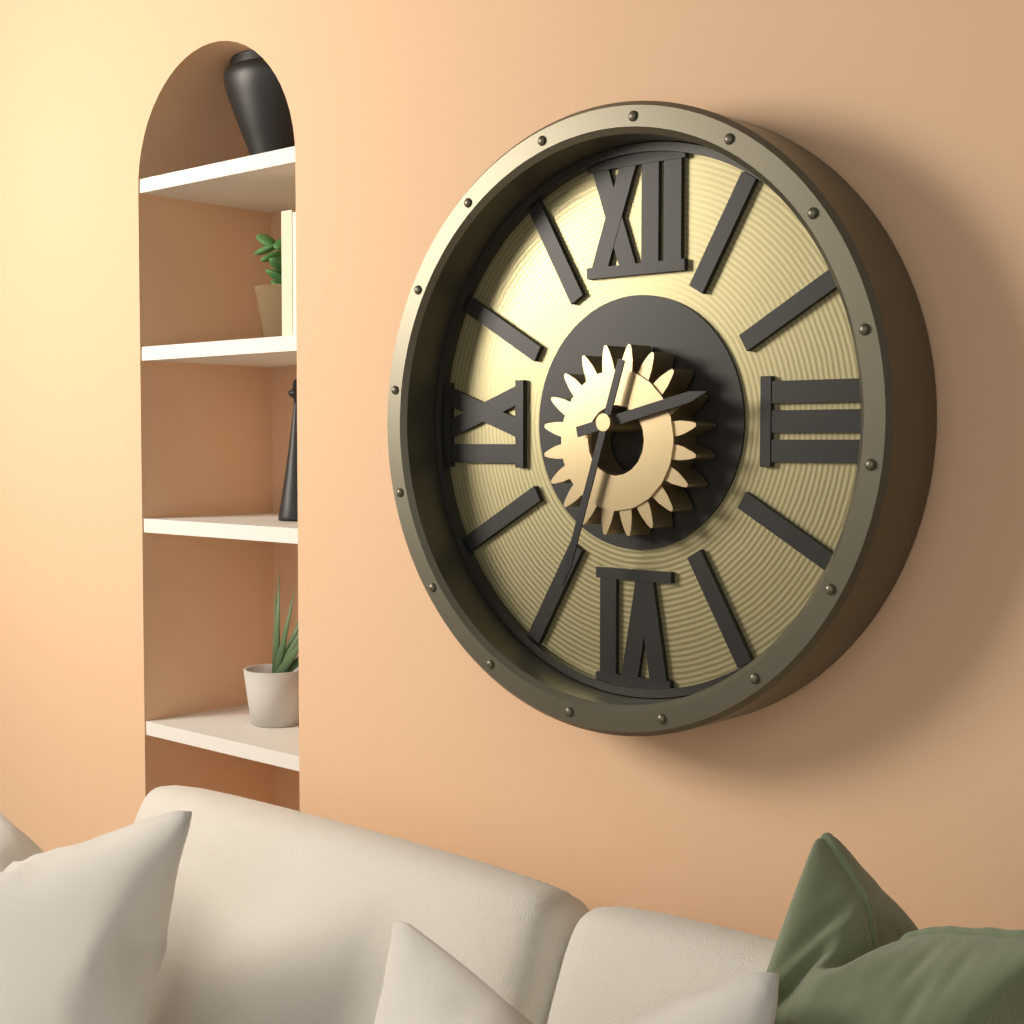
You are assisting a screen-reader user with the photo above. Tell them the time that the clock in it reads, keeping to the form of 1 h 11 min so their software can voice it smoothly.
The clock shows 2 h 33 min
